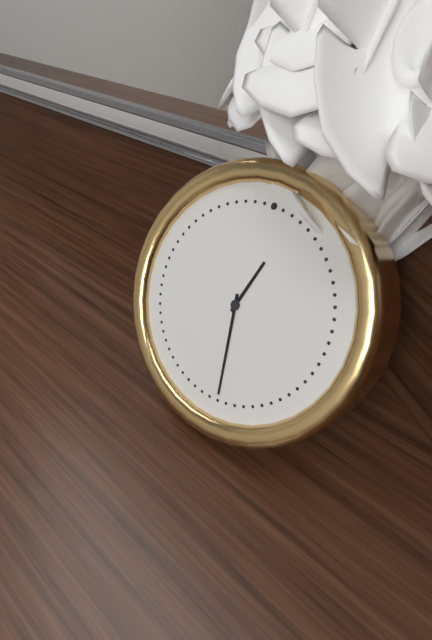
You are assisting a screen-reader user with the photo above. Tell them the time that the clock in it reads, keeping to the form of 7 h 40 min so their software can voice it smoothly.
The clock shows 12 h 28 min
